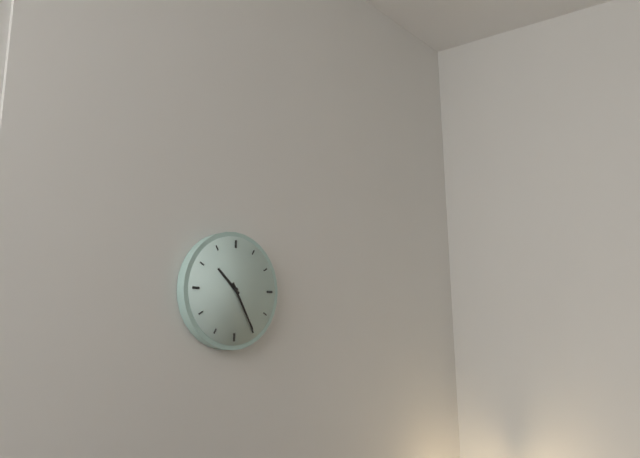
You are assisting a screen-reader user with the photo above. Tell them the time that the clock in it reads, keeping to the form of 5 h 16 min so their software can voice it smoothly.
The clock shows 10 h 25 min
